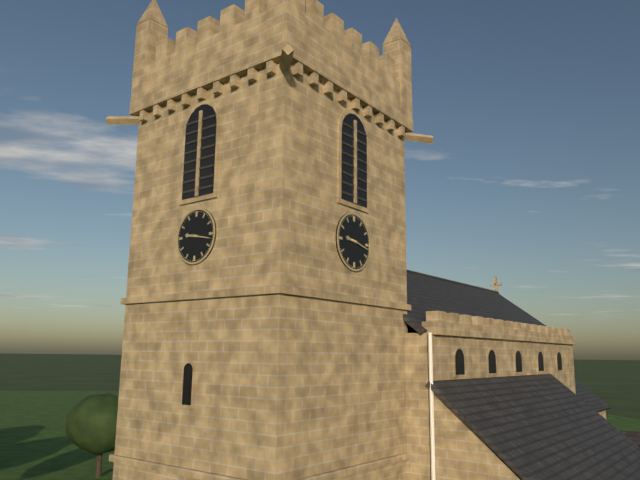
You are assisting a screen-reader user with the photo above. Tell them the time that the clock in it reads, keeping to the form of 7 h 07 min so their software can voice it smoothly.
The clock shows 9 h 17 min
